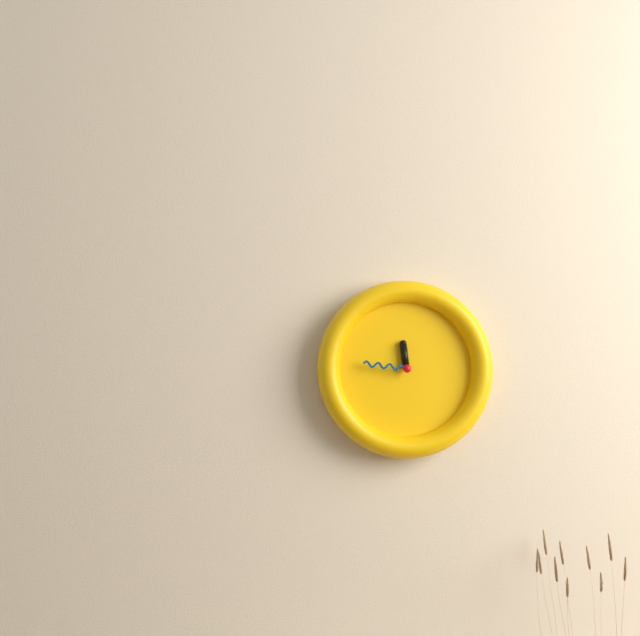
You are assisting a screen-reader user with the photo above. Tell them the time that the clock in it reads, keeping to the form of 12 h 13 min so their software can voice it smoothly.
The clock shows 11 h 46 min
